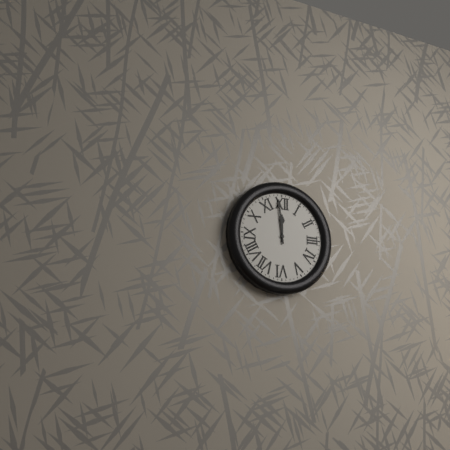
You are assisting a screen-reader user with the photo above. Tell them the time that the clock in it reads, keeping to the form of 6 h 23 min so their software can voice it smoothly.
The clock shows 11 h 59 min
